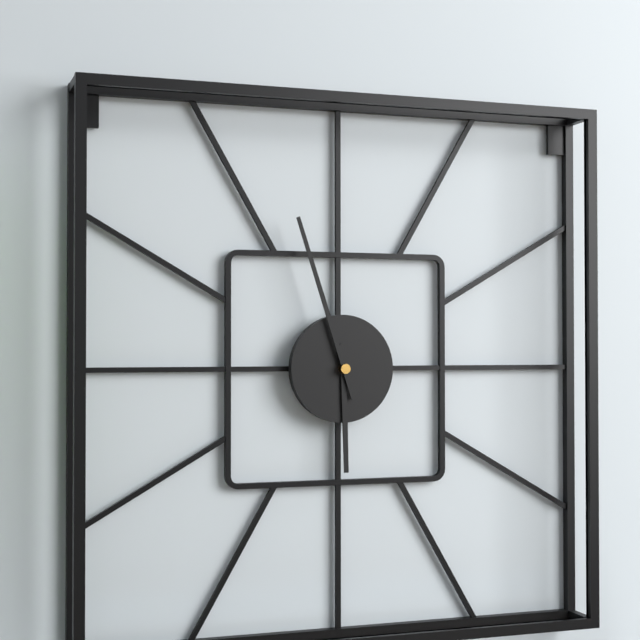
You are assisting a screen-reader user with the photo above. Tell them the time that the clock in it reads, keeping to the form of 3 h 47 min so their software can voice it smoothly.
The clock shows 5 h 57 min
